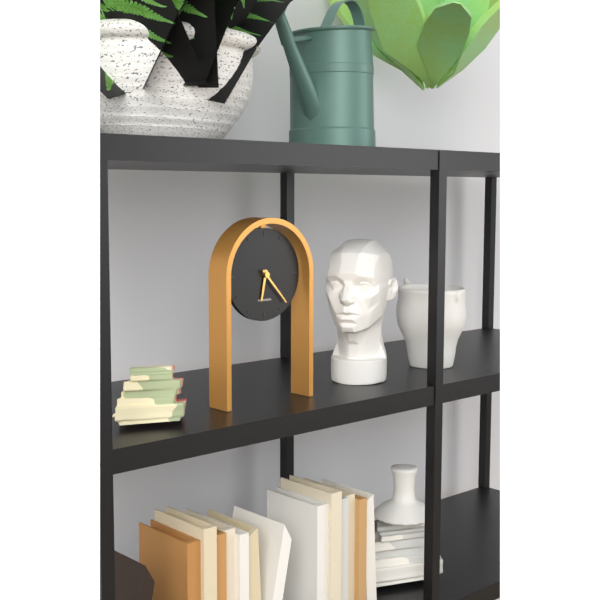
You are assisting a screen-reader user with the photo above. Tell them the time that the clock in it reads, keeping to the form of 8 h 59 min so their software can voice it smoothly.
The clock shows 6 h 23 min
